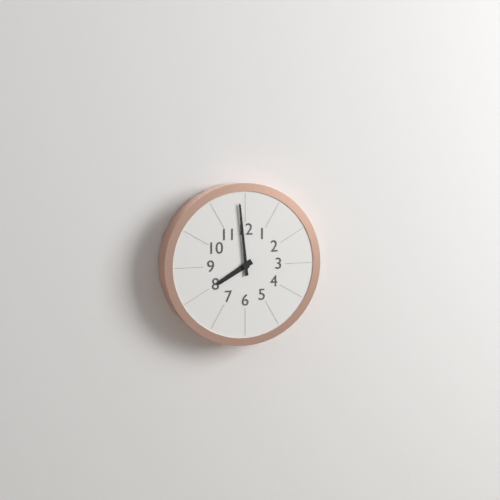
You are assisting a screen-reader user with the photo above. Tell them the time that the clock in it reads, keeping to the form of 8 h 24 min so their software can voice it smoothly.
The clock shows 7 h 59 min
